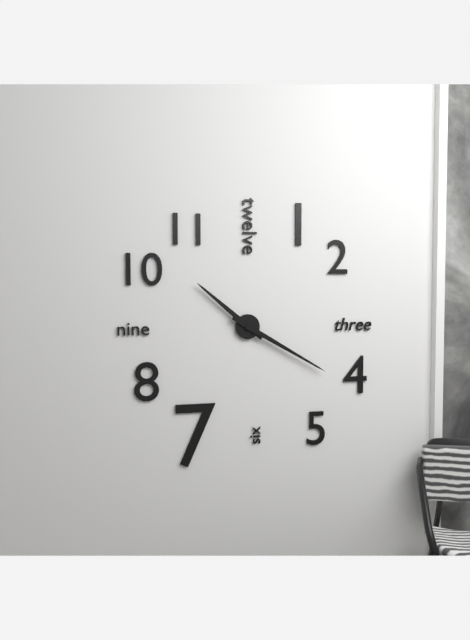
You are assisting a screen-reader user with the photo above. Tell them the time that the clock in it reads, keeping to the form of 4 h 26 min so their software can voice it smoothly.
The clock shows 10 h 20 min
